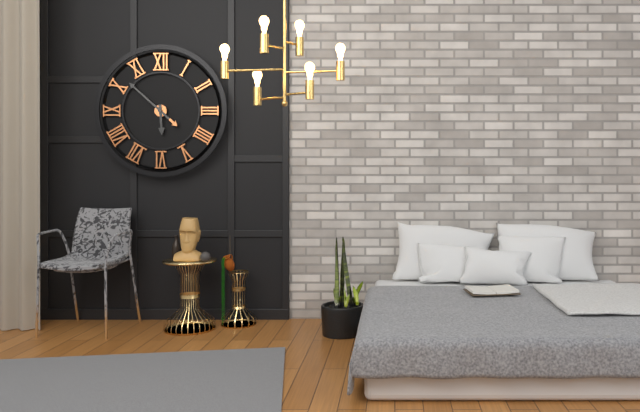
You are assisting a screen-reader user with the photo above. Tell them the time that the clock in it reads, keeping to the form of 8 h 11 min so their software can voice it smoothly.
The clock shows 5 h 52 min
